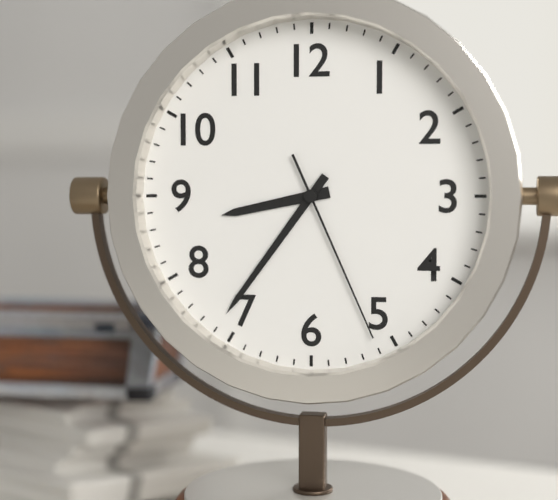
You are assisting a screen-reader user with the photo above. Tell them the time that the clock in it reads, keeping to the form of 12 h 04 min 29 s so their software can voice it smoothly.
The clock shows 8 h 36 min 26 s
